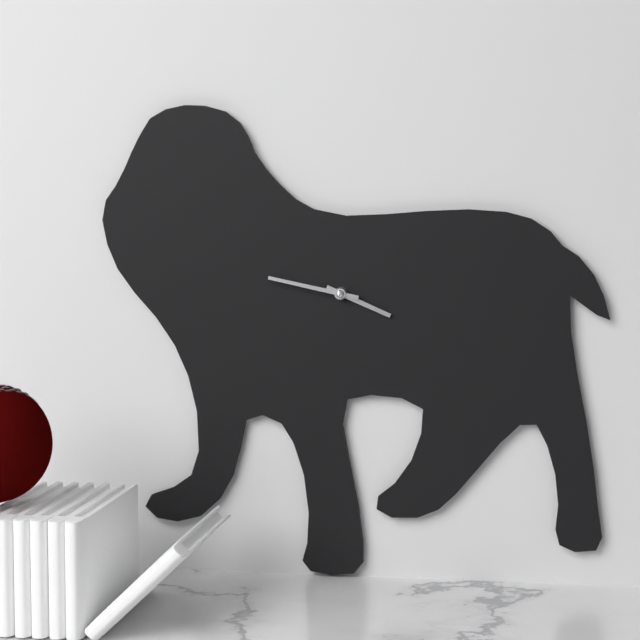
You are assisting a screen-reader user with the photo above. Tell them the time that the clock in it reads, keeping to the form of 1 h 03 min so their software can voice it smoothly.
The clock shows 3 h 47 min
